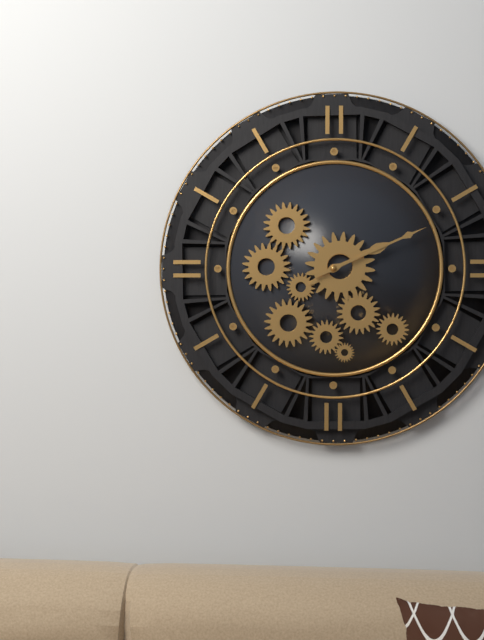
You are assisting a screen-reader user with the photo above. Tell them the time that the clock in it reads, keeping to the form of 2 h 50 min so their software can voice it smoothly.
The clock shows 2 h 11 min
